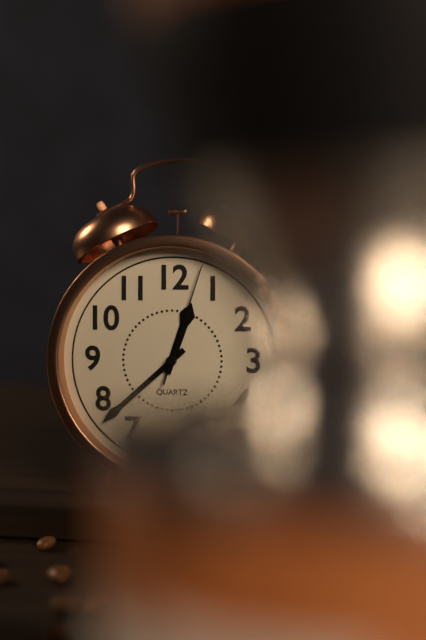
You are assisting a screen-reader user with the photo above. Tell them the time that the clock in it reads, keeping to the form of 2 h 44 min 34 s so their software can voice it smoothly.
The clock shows 12 h 38 min 03 s
